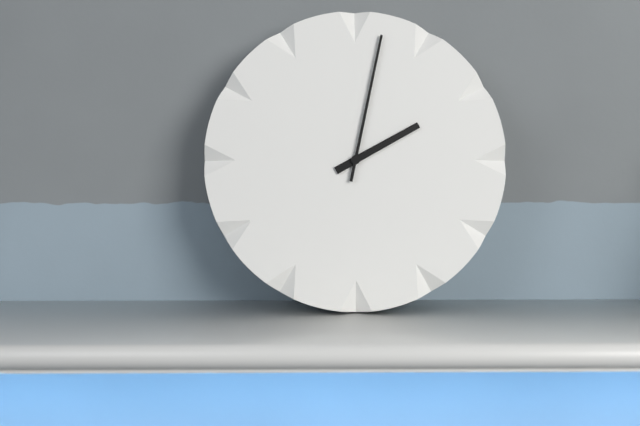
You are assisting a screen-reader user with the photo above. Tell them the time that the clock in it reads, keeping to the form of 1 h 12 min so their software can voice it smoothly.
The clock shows 2 h 02 min
